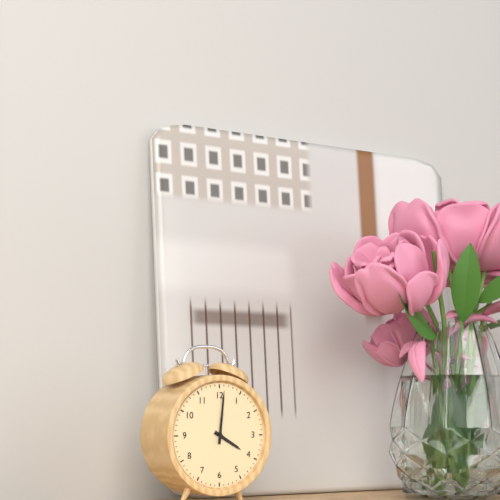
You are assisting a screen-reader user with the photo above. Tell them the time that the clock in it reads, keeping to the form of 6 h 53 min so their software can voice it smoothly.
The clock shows 4 h 01 min
